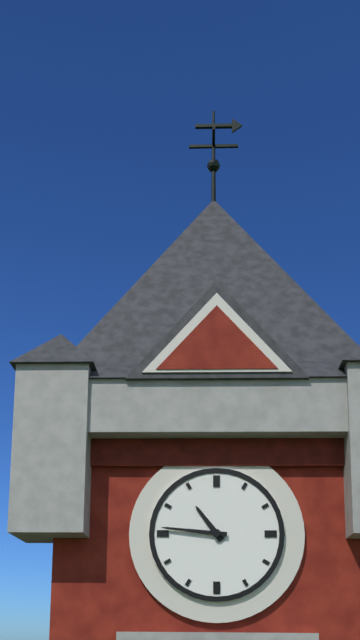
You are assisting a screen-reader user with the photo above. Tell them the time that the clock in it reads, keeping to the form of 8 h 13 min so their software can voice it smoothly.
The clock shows 10 h 46 min
